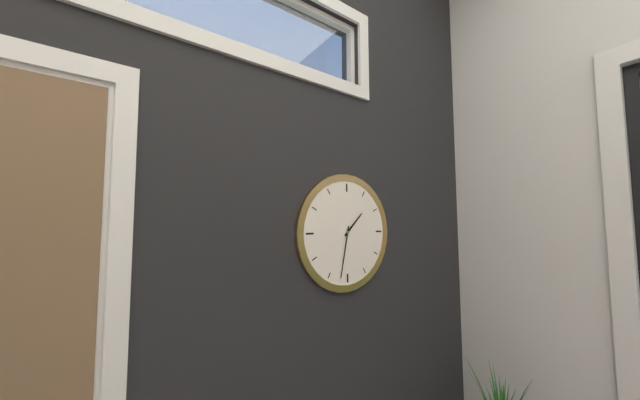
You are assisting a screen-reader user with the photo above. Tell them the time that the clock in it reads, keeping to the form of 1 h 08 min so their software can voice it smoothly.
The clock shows 1 h 32 min
